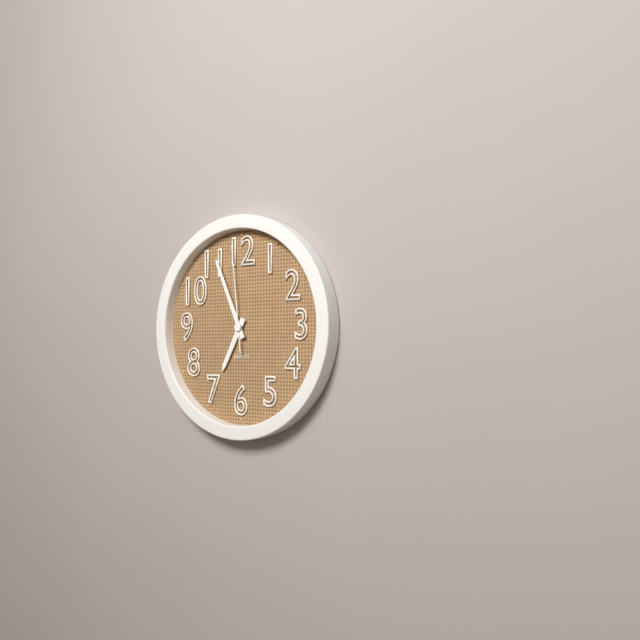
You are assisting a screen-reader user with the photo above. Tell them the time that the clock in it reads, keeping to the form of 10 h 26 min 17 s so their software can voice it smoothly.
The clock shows 6 h 56 min 59 s
